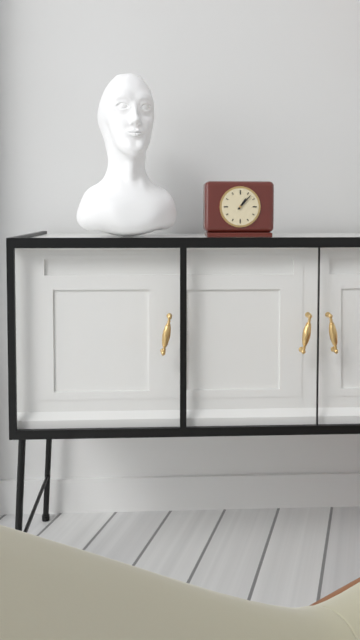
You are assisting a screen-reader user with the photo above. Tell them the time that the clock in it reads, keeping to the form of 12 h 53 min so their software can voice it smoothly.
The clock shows 1 h 07 min
